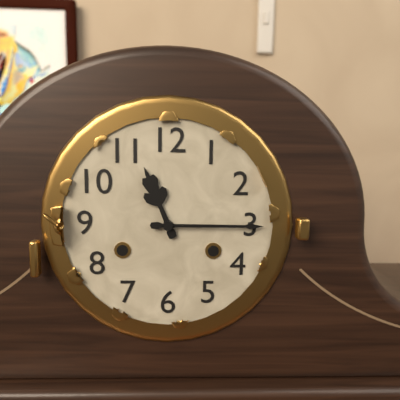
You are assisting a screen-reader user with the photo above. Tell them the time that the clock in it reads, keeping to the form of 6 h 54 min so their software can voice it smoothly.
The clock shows 11 h 15 min
